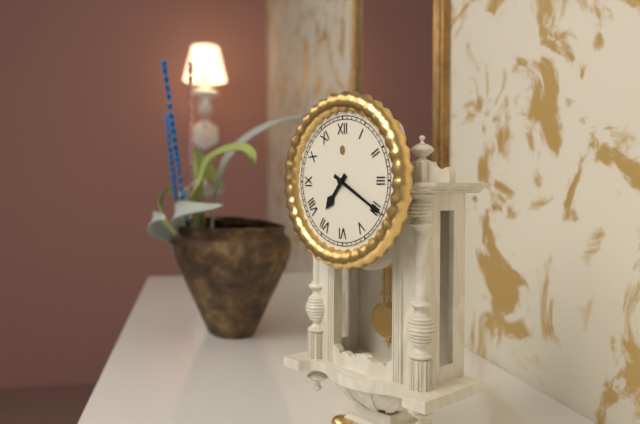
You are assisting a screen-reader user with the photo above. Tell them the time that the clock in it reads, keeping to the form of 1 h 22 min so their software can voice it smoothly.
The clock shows 7 h 20 min
